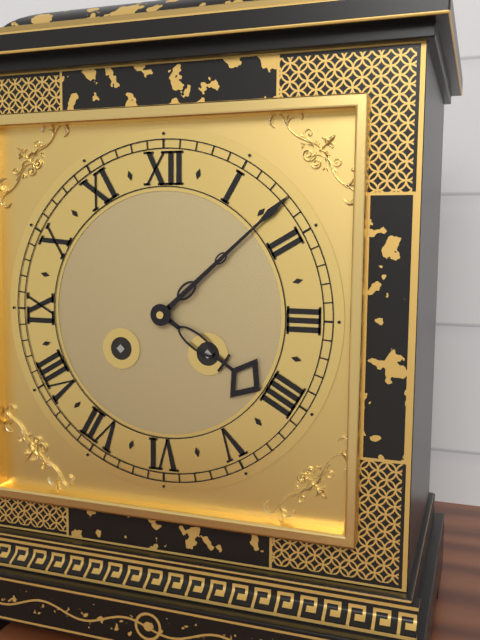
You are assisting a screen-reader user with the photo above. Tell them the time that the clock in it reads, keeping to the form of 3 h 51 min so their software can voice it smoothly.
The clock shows 4 h 08 min
